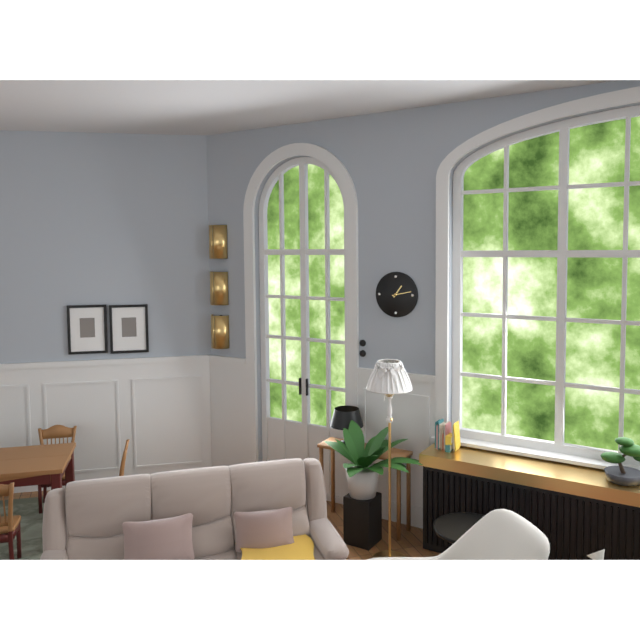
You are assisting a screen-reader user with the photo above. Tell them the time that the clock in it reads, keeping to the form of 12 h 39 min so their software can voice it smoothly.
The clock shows 1 h 13 min
